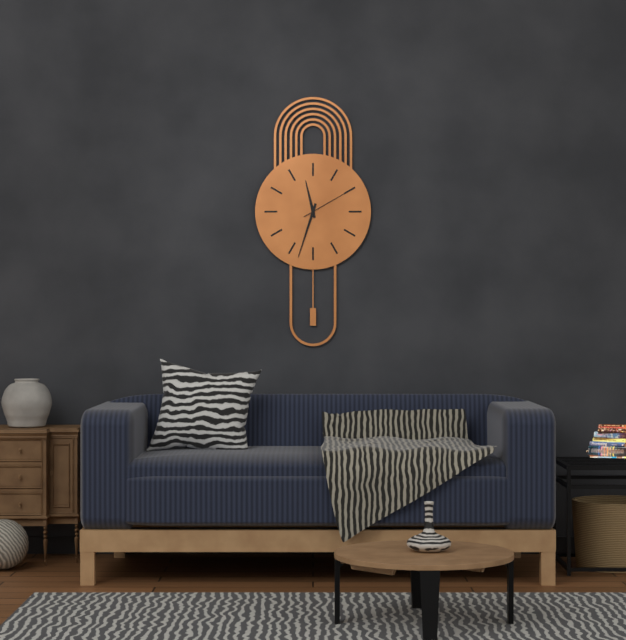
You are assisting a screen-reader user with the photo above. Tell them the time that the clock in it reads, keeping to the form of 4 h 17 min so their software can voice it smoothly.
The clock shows 11 h 33 min
